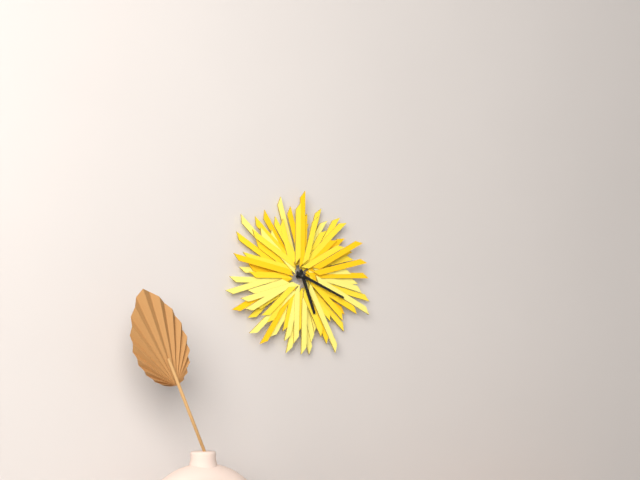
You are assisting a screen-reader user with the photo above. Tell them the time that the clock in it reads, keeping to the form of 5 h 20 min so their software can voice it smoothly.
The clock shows 5 h 19 min
